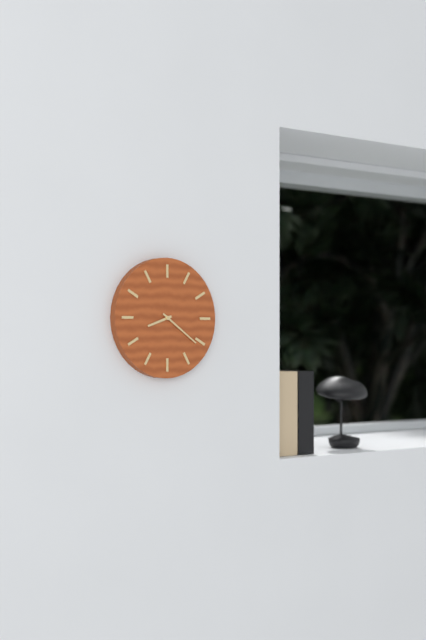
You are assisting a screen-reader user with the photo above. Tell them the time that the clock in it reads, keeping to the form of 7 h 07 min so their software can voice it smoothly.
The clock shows 8 h 21 min
